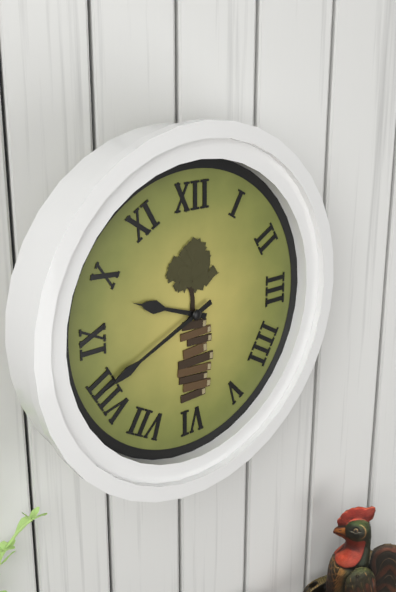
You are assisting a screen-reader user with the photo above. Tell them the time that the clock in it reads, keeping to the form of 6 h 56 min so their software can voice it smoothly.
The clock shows 9 h 41 min
